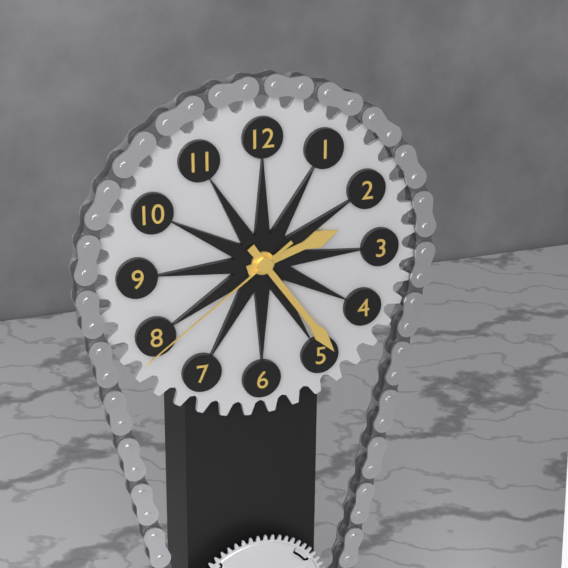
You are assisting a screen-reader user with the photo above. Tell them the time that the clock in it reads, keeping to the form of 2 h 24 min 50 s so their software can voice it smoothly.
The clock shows 2 h 24 min 39 s
